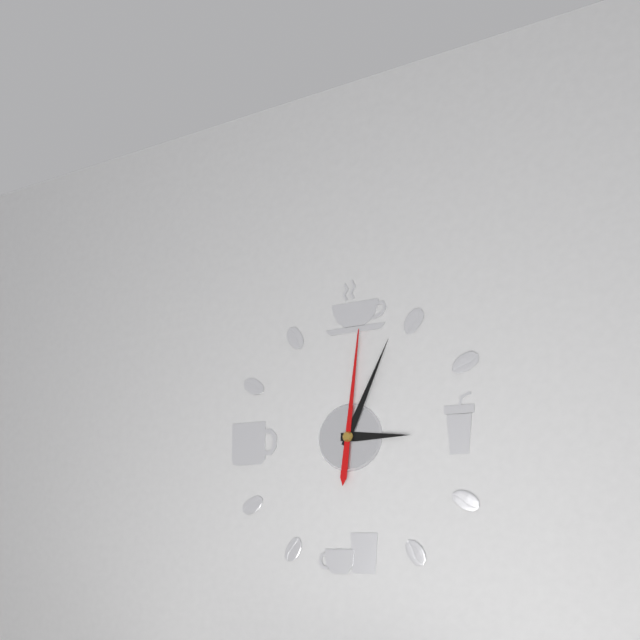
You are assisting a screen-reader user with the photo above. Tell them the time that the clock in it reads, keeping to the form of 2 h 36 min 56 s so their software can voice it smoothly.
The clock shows 3 h 04 min 01 s
